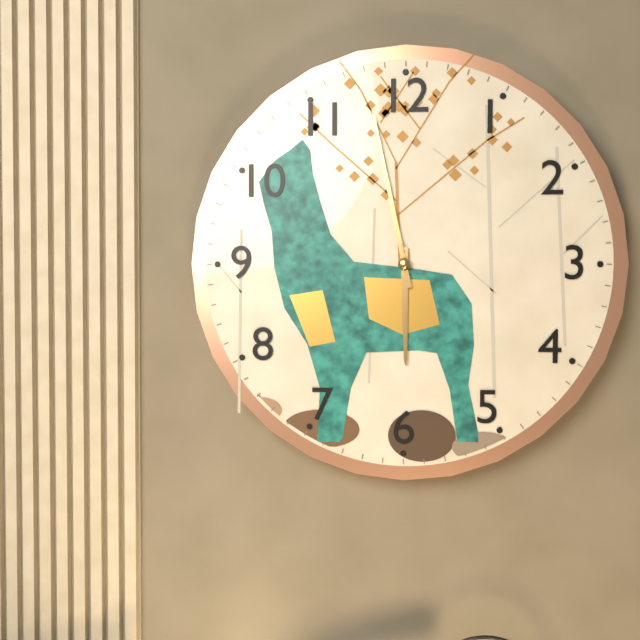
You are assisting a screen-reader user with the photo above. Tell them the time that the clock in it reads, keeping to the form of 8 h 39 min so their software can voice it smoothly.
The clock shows 5 h 58 min
